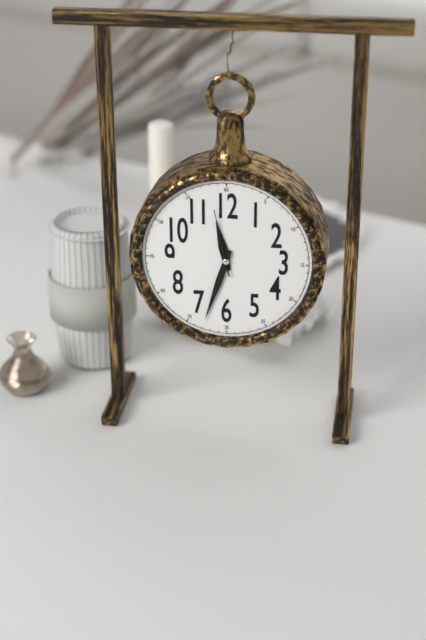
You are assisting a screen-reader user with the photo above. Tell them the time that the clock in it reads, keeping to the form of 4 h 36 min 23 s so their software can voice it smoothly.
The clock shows 11 h 33 min 58 s
